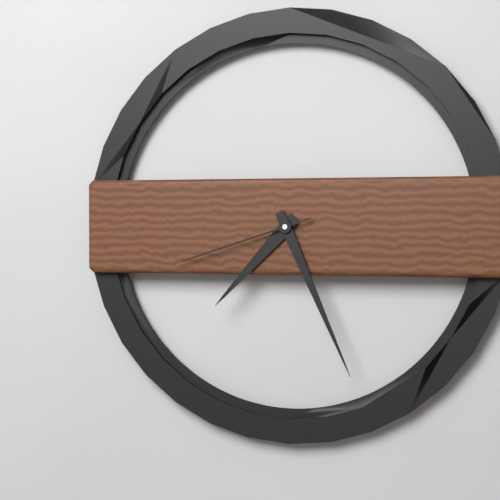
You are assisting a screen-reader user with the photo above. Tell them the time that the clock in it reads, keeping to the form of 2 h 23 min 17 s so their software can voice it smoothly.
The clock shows 7 h 26 min 42 s
